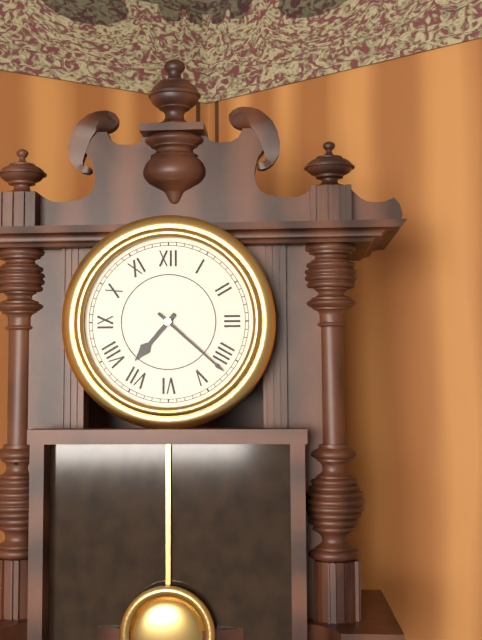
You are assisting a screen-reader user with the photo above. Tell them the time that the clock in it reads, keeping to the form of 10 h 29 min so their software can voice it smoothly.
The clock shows 7 h 22 min
